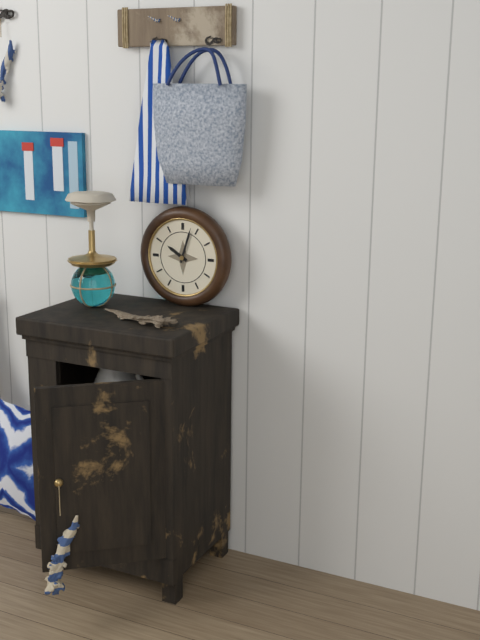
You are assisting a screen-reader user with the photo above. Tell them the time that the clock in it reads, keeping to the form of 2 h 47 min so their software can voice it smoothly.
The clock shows 10 h 03 min
